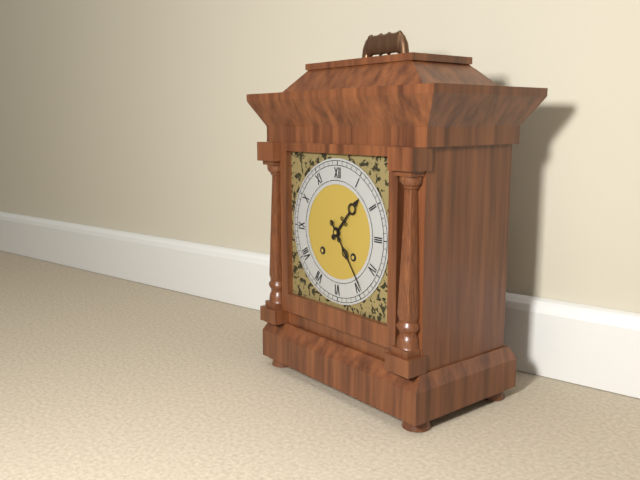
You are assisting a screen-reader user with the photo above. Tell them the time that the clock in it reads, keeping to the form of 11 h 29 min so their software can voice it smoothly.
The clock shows 1 h 24 min
